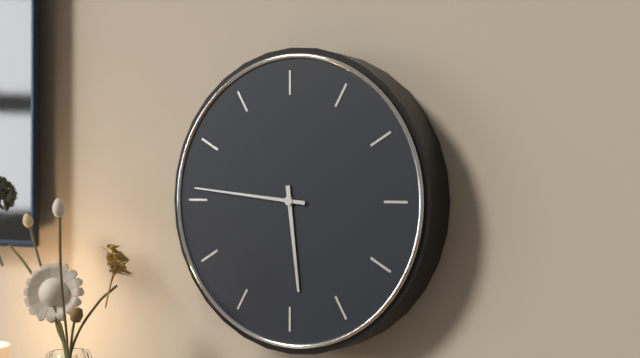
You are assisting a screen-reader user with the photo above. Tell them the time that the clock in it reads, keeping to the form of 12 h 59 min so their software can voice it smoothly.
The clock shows 5 h 46 min
